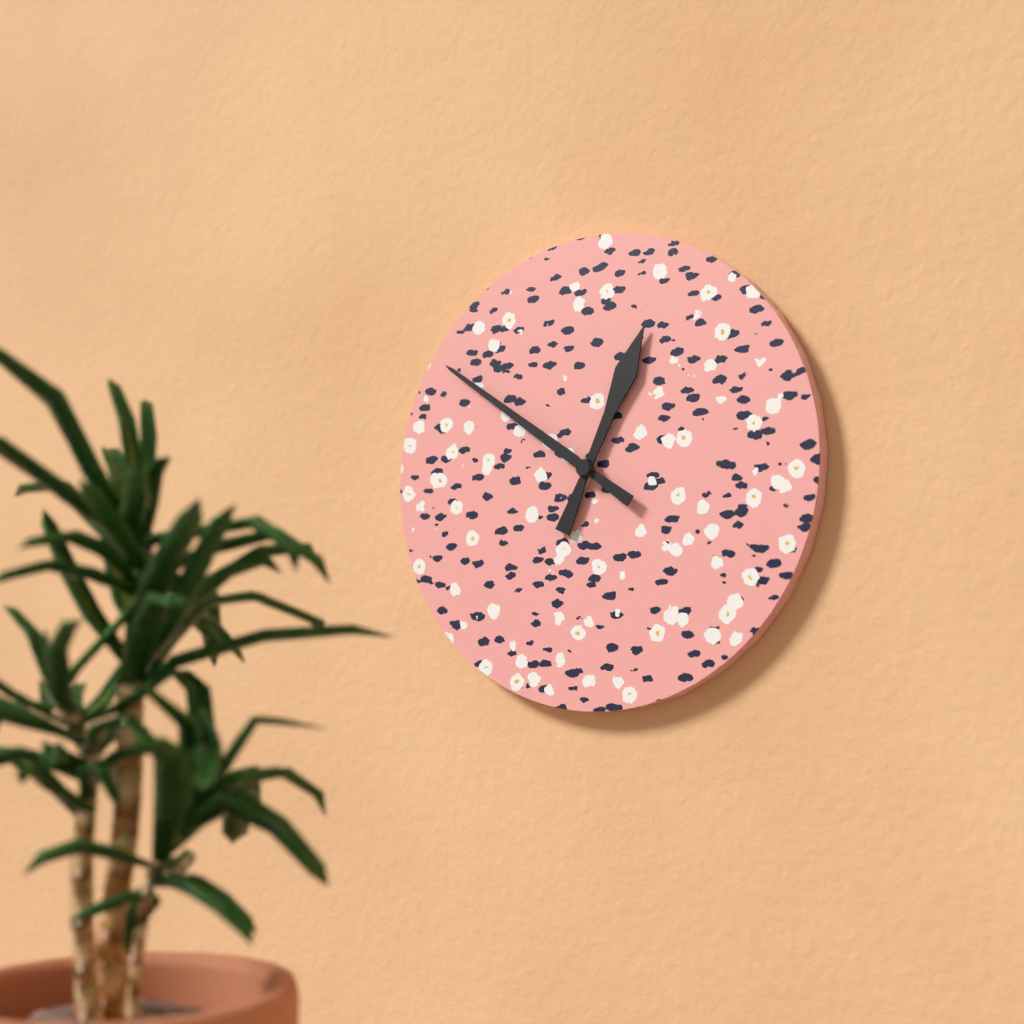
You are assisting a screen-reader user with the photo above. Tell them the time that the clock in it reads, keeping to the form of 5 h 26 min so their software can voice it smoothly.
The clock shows 12 h 51 min
